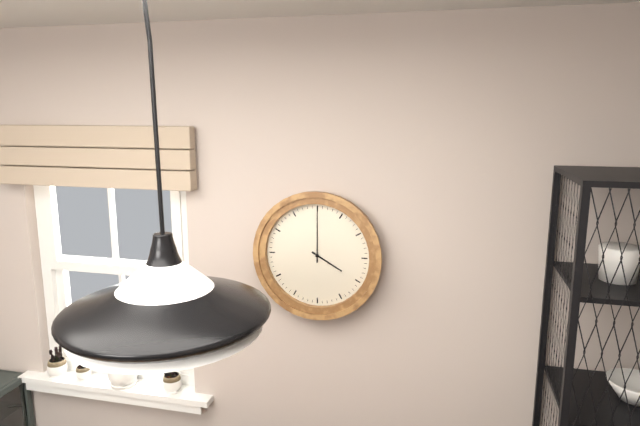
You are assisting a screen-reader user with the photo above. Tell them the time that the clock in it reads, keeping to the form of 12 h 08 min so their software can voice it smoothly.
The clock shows 4 h 00 min
